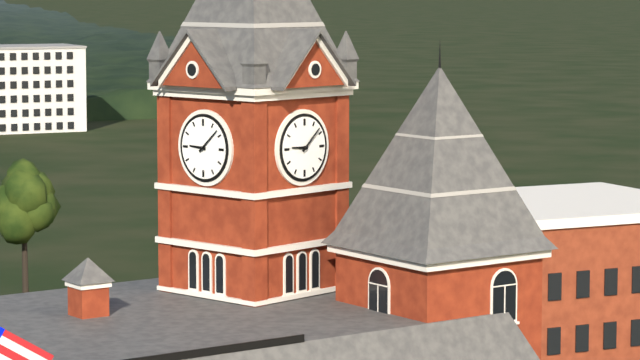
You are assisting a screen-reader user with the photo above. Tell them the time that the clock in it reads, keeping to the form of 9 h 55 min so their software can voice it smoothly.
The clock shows 9 h 08 min
